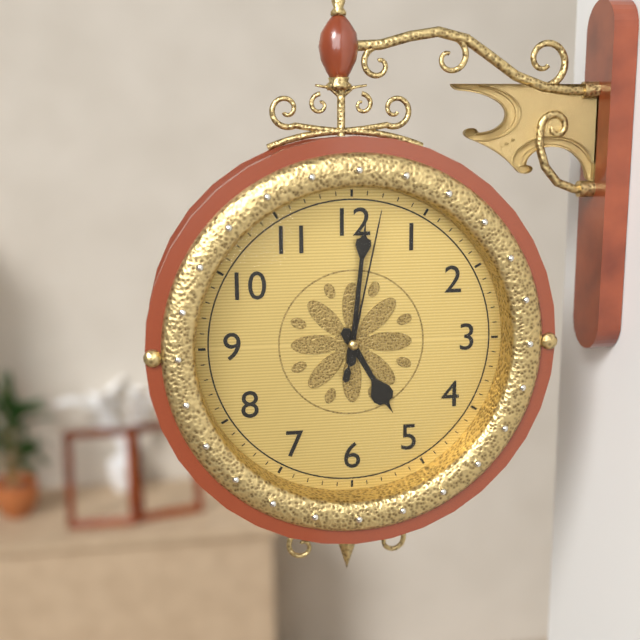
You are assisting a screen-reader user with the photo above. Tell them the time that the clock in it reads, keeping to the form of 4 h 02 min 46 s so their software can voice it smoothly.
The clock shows 5 h 01 min 02 s
